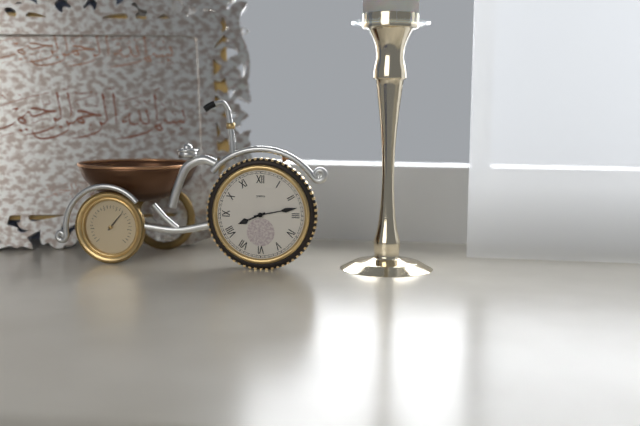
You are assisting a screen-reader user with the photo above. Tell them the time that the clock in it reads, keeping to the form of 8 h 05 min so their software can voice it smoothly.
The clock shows 8 h 13 min
